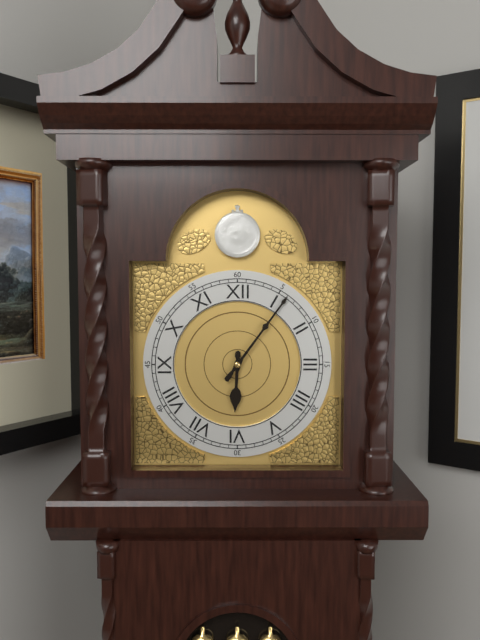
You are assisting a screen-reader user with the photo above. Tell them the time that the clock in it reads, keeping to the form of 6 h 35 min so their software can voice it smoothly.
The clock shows 6 h 06 min
